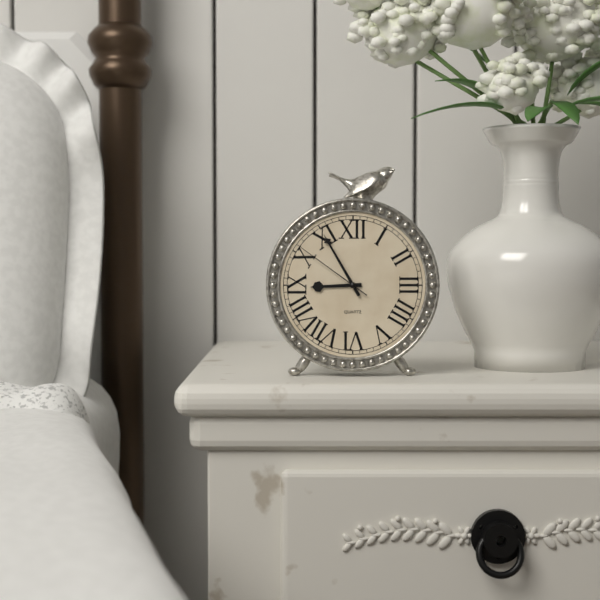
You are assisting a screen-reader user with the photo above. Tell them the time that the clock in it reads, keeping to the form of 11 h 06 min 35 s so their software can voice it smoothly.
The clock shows 8 h 55 min 51 s
